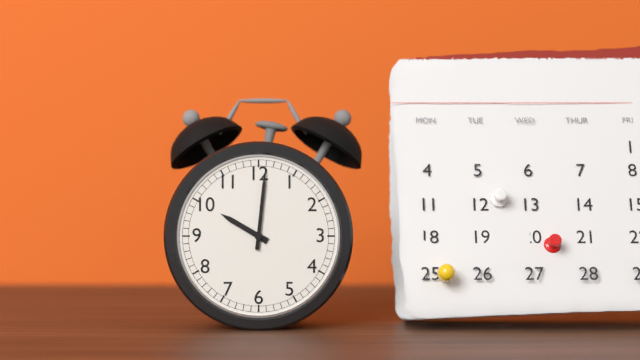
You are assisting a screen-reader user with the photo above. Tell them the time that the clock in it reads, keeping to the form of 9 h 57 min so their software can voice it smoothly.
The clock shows 10 h 01 min
